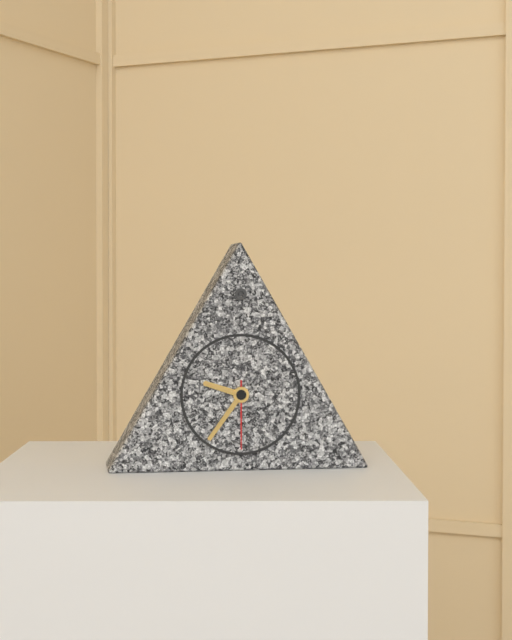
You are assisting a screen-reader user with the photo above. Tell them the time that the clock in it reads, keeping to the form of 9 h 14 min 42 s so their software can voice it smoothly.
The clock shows 9 h 36 min 30 s
